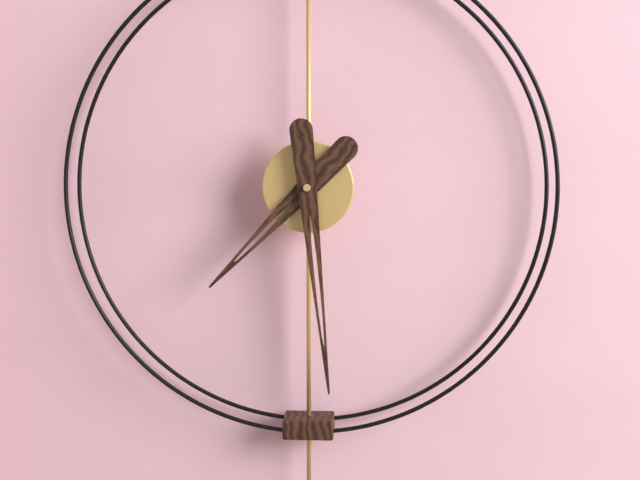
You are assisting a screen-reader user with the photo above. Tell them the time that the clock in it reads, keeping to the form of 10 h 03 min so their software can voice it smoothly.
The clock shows 7 h 29 min
